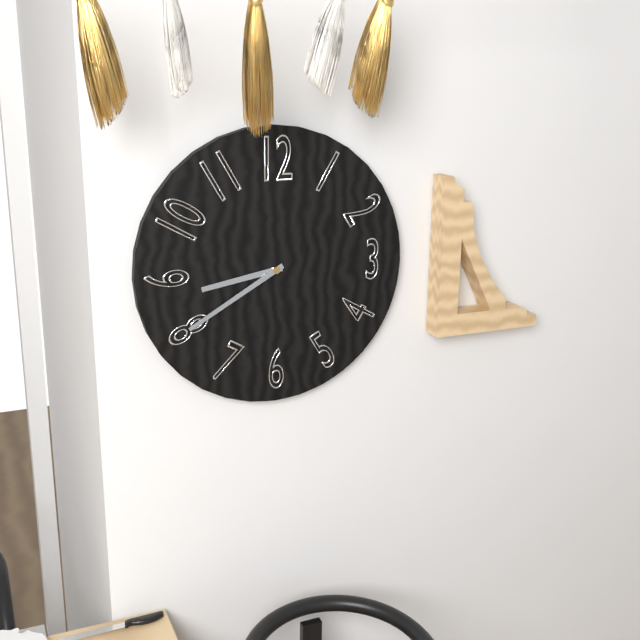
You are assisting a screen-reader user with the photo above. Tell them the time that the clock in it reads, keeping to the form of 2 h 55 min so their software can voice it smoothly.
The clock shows 8 h 40 min
